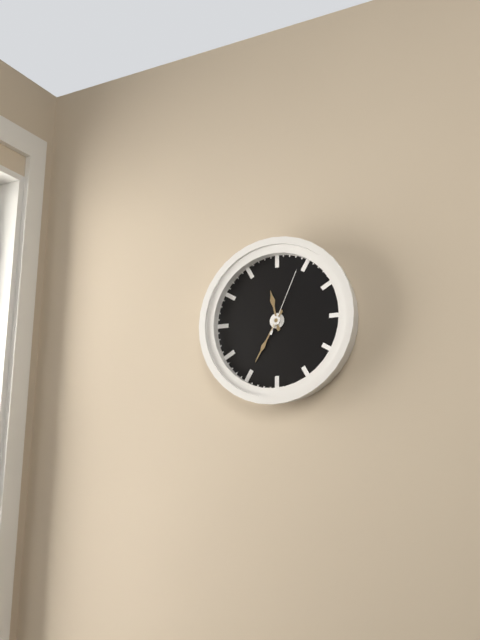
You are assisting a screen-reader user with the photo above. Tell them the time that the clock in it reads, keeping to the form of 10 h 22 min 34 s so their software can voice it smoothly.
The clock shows 11 h 35 min 04 s
